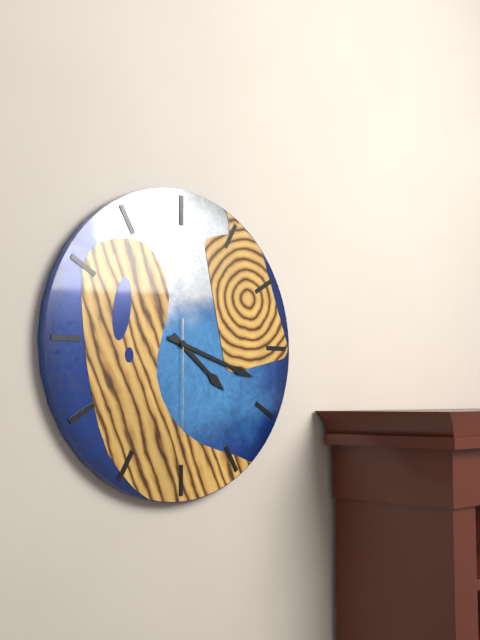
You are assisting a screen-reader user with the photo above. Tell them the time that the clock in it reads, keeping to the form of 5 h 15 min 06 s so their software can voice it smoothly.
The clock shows 4 h 18 min 30 s
